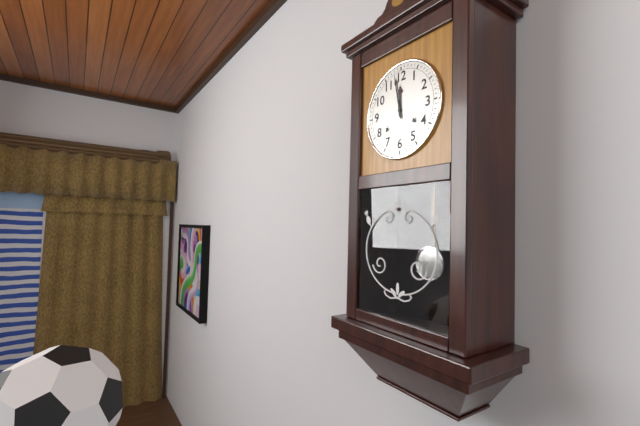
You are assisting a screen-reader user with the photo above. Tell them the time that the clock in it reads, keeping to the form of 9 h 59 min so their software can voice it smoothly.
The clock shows 11 h 58 min
